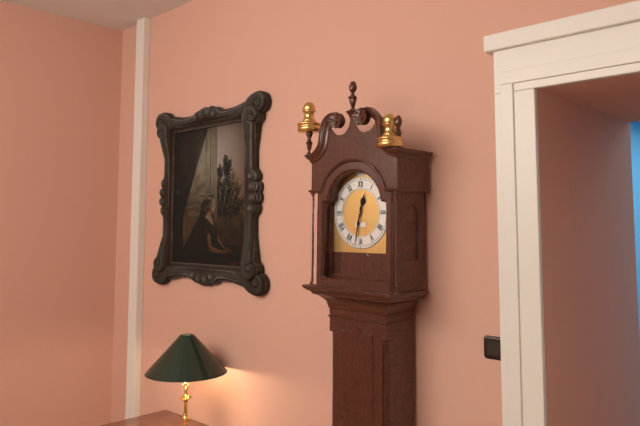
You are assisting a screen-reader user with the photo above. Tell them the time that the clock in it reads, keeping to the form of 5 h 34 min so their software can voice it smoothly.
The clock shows 12 h 32 min
